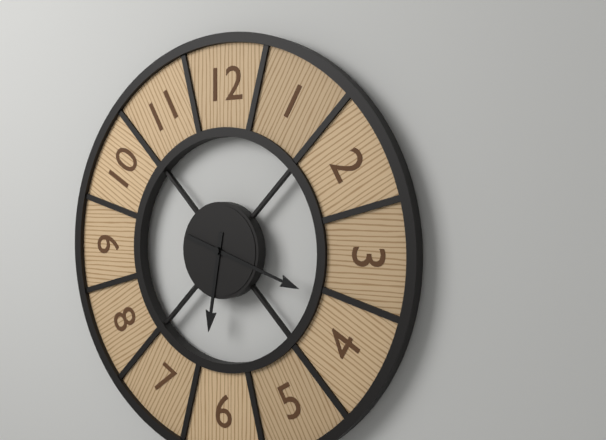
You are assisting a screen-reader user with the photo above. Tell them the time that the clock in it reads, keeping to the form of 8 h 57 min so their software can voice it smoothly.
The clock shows 6 h 18 min
